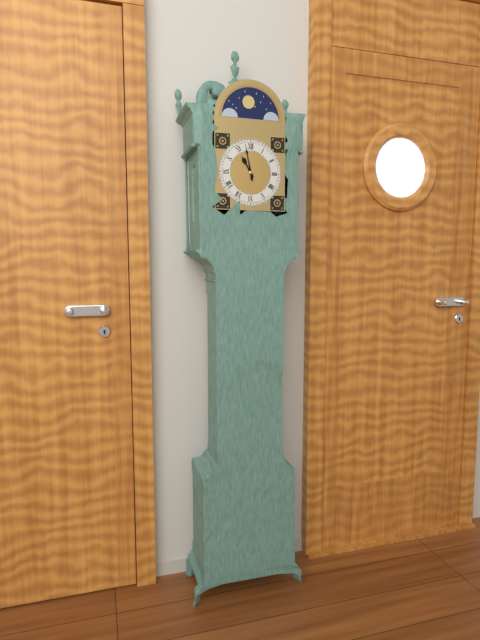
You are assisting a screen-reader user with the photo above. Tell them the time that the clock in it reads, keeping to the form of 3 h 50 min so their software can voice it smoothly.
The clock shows 10 h 58 min
